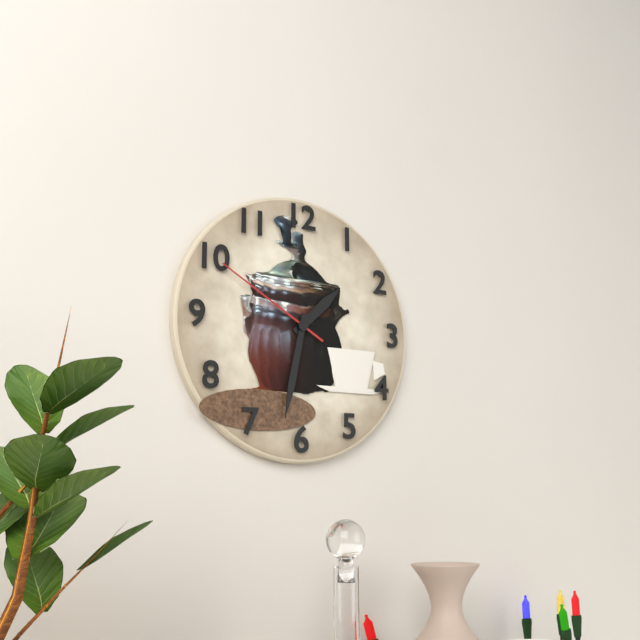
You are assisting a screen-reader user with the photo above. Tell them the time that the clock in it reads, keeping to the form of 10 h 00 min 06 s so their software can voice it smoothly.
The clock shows 1 h 32 min 50 s
